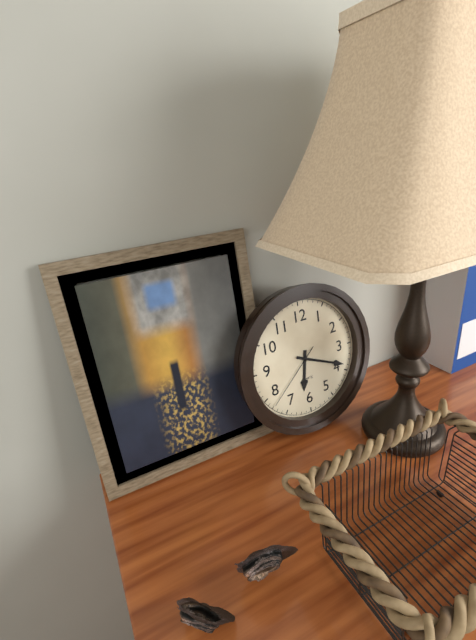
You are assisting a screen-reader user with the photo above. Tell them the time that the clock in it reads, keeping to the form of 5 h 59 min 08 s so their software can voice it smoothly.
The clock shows 6 h 19 min 38 s
